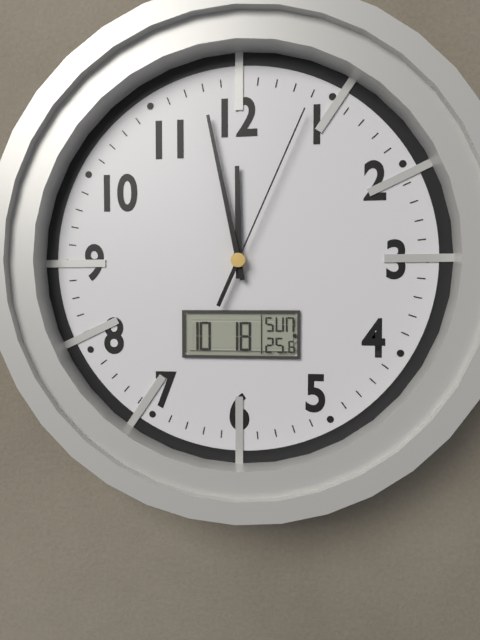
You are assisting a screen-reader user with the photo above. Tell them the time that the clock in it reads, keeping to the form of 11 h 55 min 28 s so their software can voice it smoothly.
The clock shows 11 h 58 min 04 s
